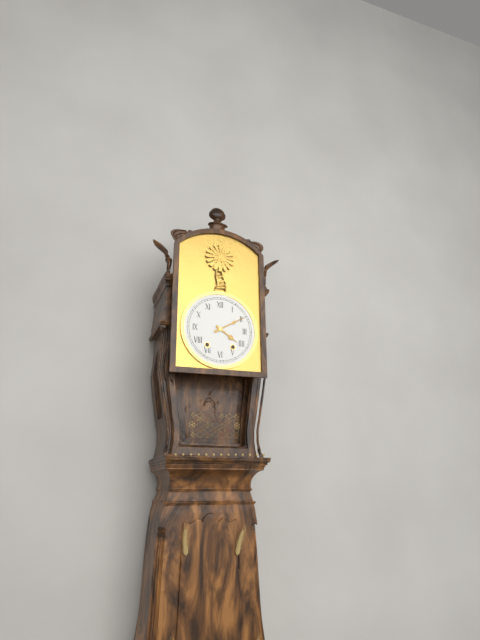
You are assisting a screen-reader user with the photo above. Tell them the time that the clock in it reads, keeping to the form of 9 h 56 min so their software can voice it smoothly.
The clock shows 4 h 10 min
